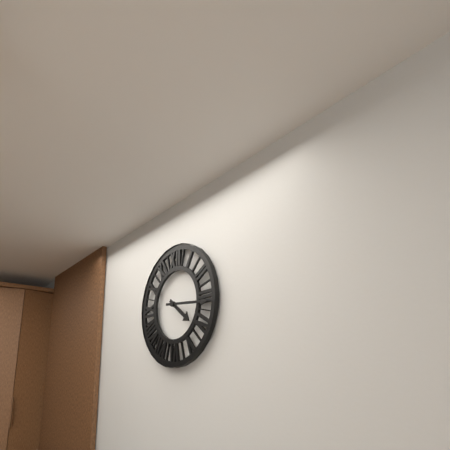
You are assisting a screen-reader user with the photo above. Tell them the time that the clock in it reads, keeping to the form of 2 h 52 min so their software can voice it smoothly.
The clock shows 4 h 16 min
